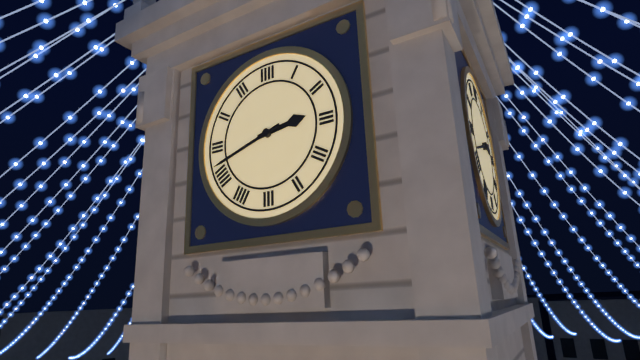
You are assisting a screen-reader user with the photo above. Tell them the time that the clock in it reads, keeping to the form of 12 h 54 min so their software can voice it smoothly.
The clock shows 2 h 42 min
